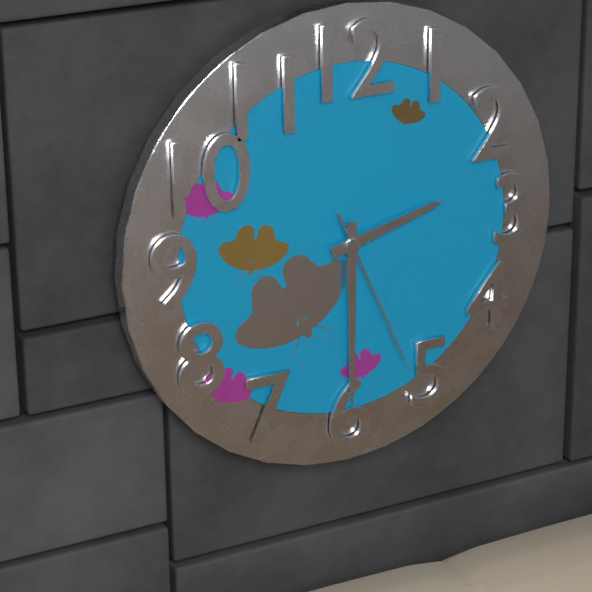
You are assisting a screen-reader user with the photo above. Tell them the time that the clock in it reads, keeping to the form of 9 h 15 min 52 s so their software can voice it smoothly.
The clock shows 2 h 30 min 26 s
